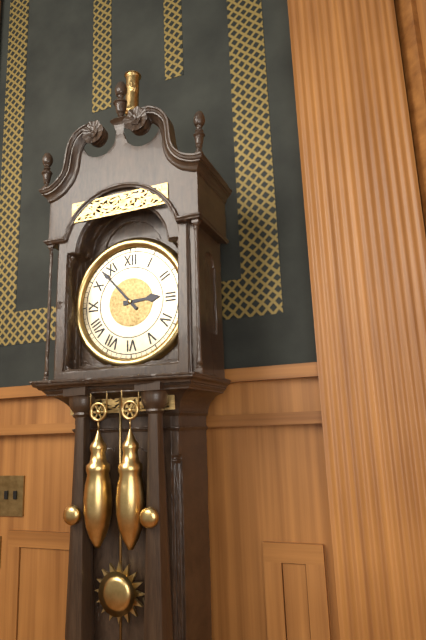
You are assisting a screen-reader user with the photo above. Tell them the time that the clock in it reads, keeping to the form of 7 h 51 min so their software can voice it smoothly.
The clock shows 2 h 53 min
